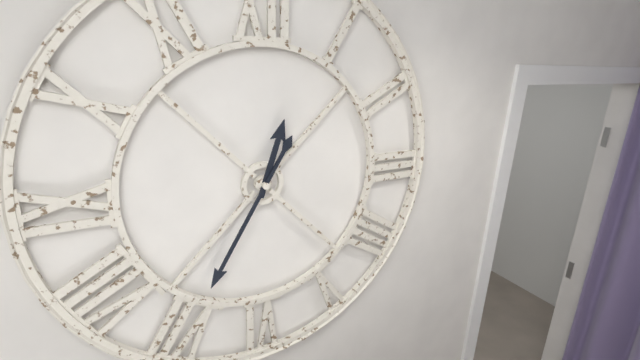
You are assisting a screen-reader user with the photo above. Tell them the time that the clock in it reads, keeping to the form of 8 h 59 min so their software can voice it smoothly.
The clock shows 12 h 35 min
